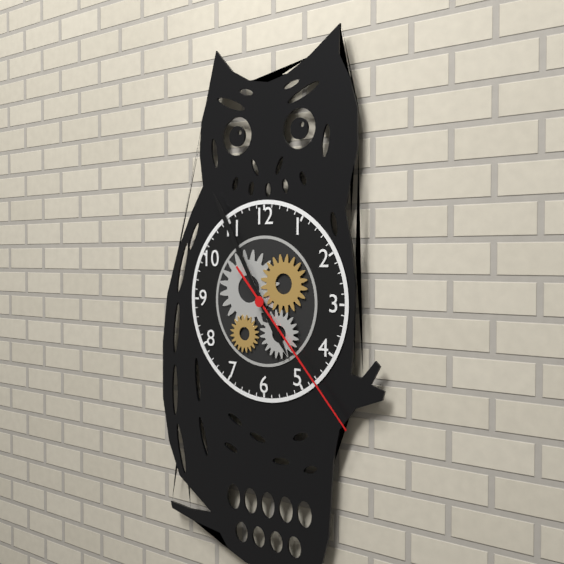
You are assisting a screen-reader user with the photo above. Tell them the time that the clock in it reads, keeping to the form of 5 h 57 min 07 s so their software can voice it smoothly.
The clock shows 4 h 55 min 23 s
